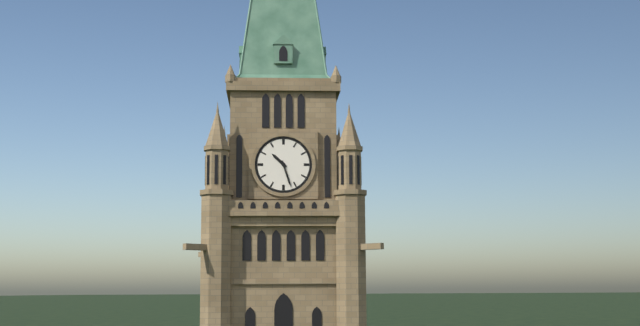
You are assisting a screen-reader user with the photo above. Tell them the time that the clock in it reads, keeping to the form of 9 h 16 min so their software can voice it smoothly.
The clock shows 10 h 27 min
